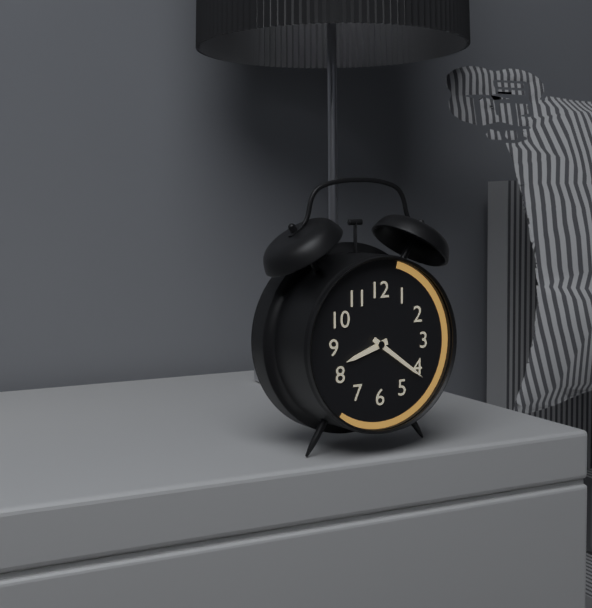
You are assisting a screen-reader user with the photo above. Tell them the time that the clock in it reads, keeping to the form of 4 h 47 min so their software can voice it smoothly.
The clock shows 8 h 21 min
